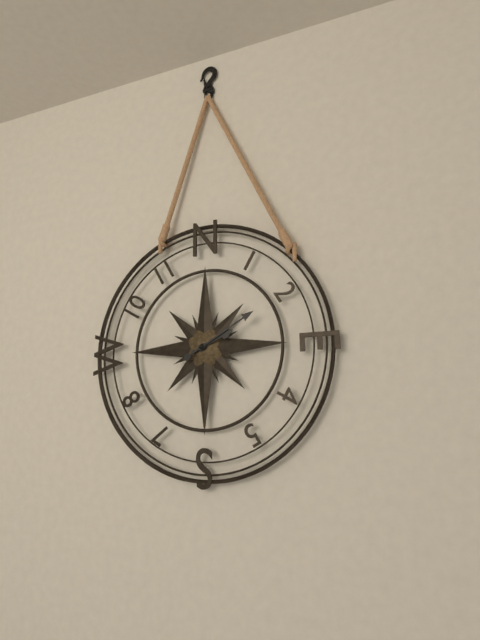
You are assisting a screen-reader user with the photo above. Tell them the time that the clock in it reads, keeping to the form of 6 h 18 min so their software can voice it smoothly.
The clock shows 2 h 10 min
